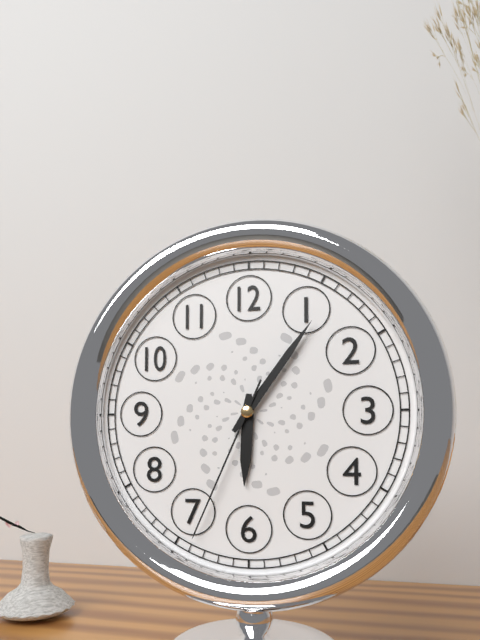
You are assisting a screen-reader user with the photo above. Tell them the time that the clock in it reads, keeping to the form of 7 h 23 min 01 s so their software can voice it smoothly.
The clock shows 6 h 06 min 34 s
